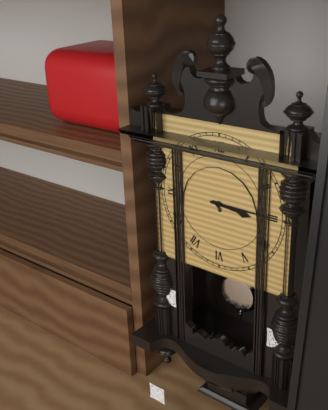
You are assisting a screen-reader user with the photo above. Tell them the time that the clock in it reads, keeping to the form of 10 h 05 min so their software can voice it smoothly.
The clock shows 3 h 15 min
